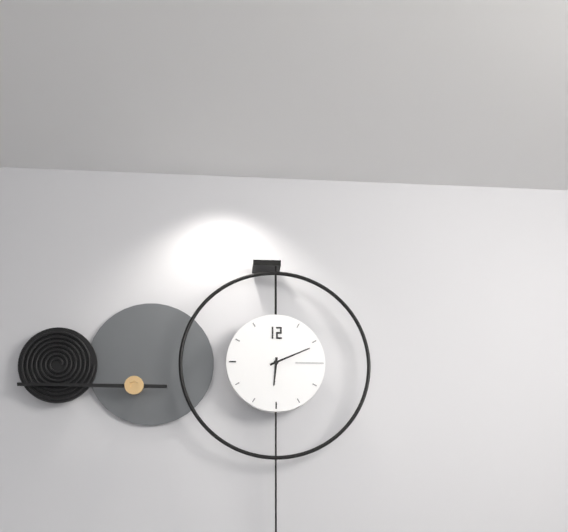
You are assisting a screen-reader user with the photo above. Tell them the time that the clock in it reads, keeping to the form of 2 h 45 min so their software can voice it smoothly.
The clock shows 6 h 11 min
